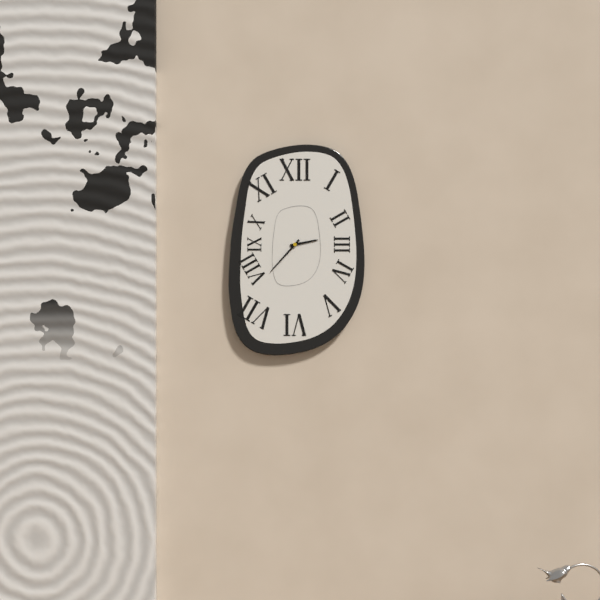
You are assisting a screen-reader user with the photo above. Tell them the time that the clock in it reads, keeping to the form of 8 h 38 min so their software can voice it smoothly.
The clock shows 2 h 37 min
